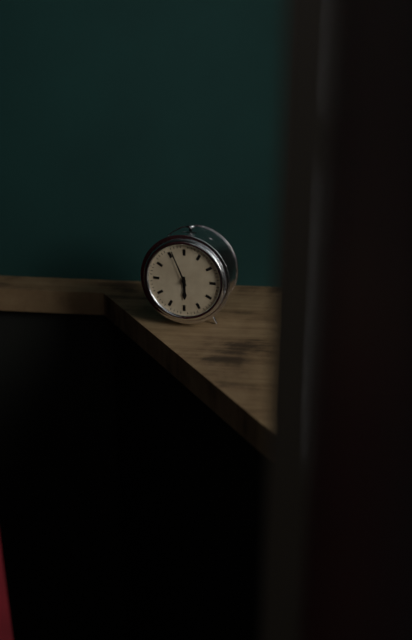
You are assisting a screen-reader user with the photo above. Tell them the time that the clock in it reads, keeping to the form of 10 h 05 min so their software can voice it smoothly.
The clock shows 5 h 56 min
